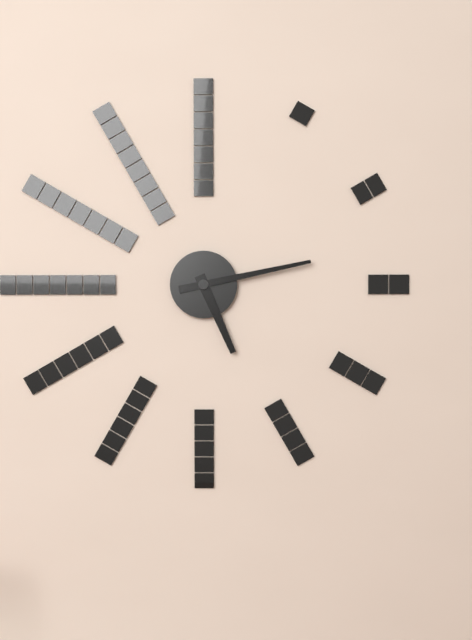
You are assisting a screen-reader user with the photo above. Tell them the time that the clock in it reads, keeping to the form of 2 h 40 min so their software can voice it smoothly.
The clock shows 5 h 13 min
